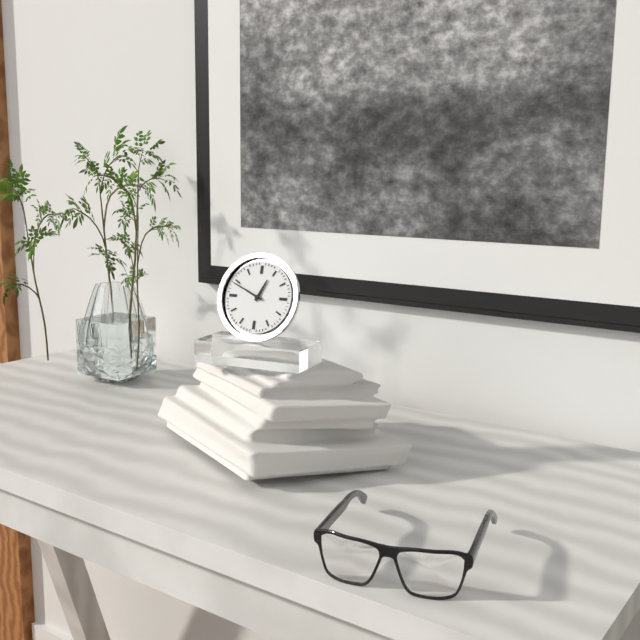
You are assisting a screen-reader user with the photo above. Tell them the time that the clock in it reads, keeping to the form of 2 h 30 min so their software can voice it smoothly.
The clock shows 12 h 49 min
